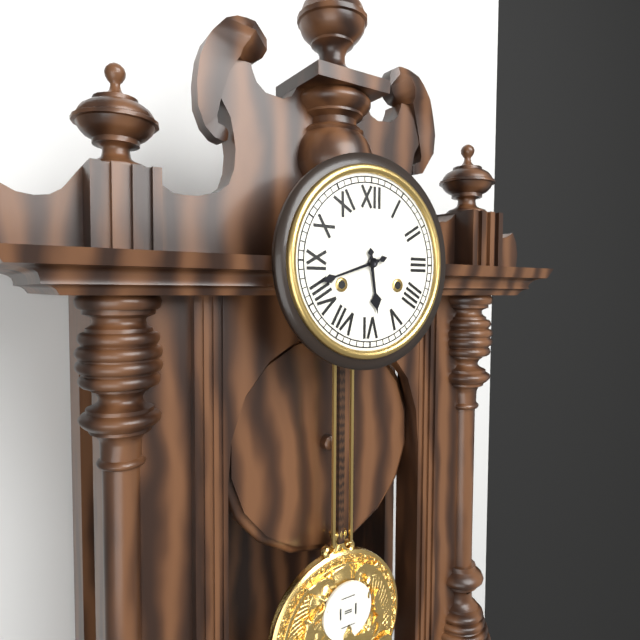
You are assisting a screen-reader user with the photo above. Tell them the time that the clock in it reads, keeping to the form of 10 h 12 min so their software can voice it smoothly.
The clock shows 5 h 42 min
